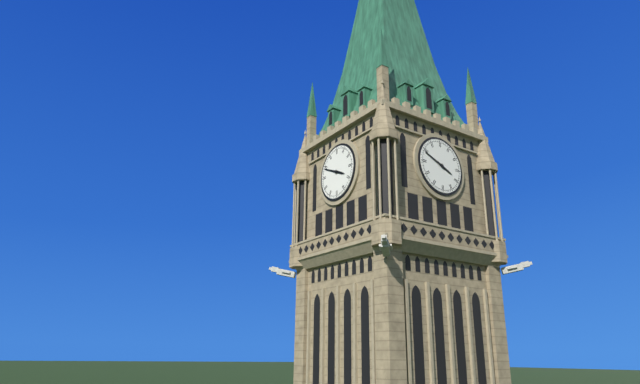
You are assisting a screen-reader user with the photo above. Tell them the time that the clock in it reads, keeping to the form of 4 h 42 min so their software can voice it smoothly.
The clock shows 3 h 49 min
